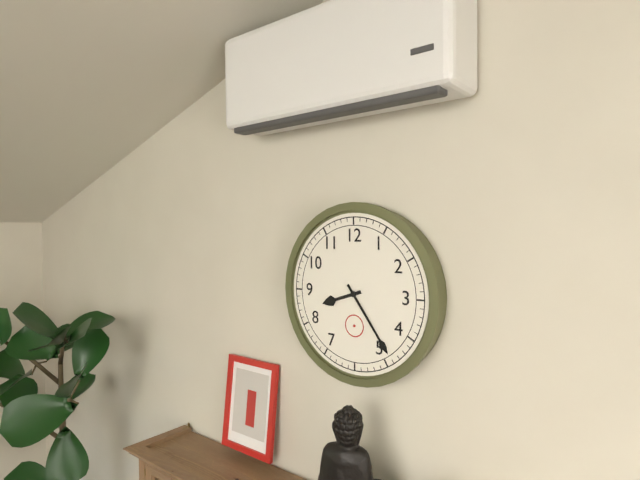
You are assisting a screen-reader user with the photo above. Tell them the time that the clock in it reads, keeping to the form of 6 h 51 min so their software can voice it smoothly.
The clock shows 8 h 24 min
